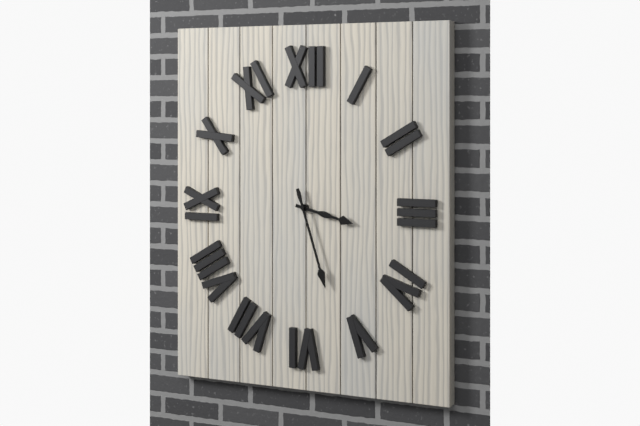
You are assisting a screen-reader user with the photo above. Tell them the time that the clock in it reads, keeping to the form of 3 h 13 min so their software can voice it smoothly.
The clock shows 3 h 27 min
